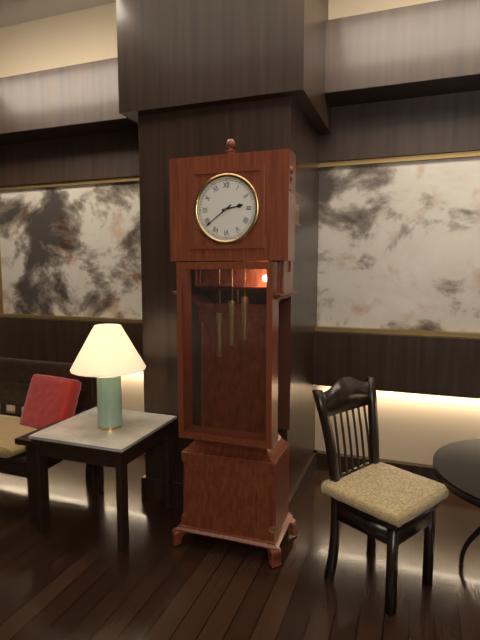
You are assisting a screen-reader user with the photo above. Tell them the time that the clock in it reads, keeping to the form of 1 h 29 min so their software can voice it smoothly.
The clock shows 2 h 39 min
